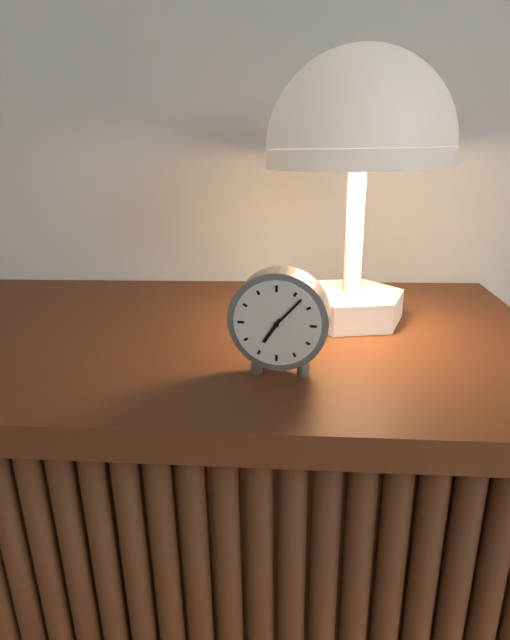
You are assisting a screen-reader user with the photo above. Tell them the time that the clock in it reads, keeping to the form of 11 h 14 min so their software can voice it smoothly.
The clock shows 7 h 07 min
